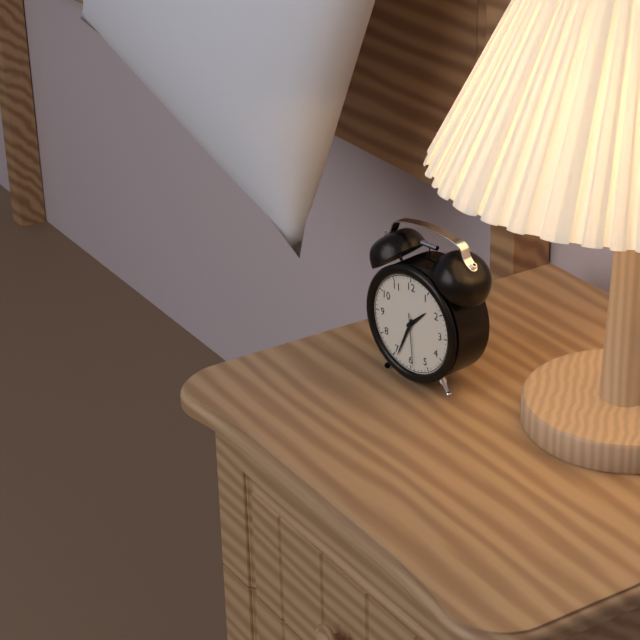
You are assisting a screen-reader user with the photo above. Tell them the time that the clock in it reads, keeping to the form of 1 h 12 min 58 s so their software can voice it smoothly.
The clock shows 1 h 34 min 29 s
